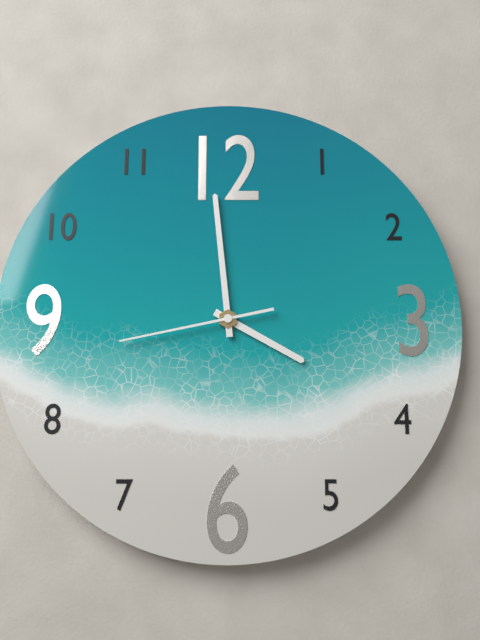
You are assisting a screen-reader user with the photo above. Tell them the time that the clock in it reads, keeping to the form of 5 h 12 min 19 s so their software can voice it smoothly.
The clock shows 3 h 59 min 43 s
